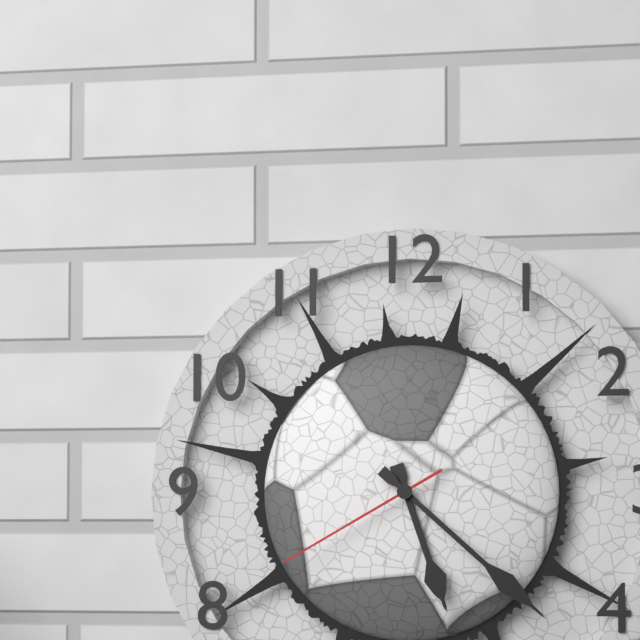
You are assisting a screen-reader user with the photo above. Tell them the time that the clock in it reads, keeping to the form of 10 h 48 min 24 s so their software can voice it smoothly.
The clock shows 5 h 22 min 40 s
